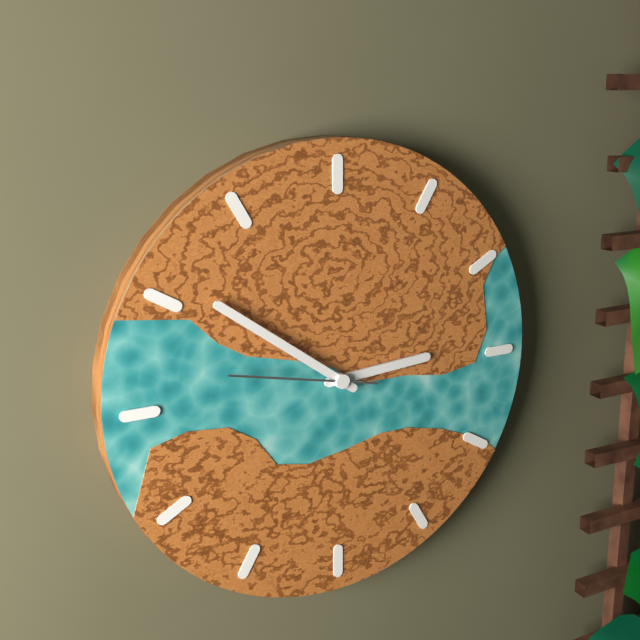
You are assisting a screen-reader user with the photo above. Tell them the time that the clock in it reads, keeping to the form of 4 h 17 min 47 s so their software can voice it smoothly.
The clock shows 2 h 51 min 47 s
